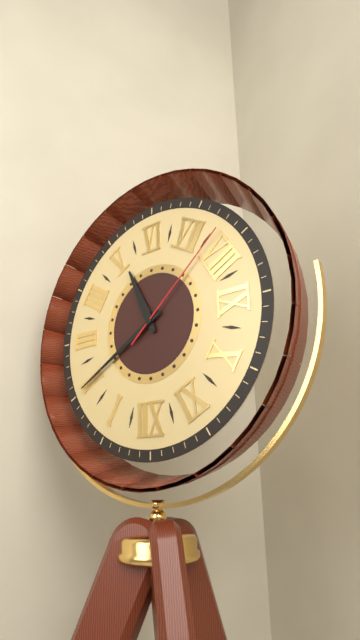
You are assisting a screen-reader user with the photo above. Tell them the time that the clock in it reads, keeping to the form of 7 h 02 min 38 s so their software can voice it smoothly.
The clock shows 5 h 10 min 38 s
